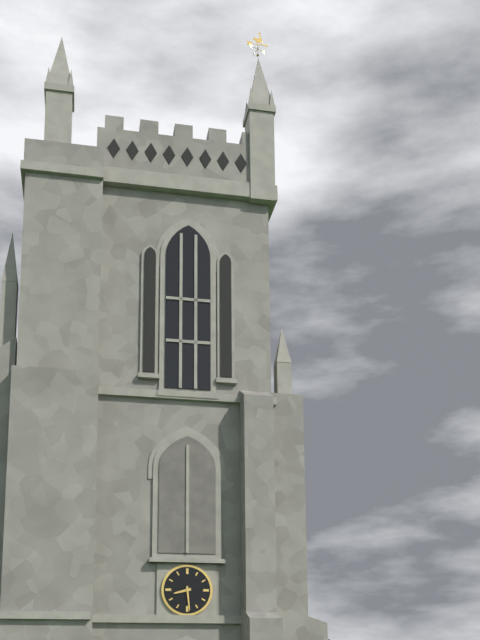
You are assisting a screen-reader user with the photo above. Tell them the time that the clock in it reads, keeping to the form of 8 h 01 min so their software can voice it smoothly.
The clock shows 8 h 29 min
